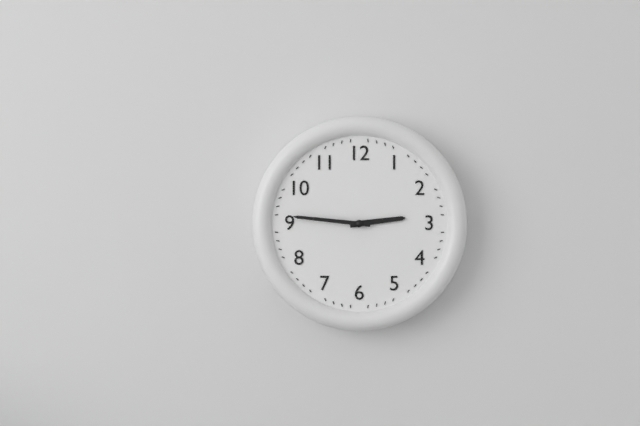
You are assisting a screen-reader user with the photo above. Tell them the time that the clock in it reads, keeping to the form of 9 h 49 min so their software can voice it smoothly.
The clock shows 2 h 46 min
